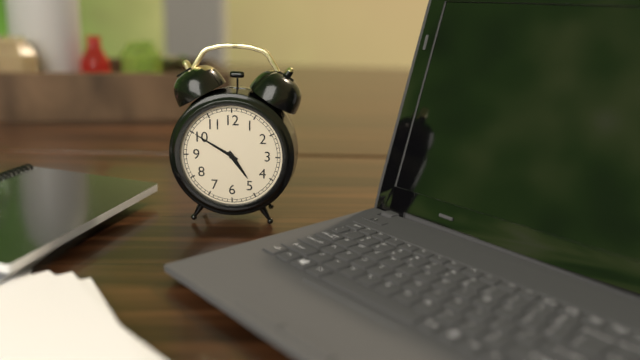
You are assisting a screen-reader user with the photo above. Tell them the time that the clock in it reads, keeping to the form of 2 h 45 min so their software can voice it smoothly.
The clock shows 4 h 50 min
